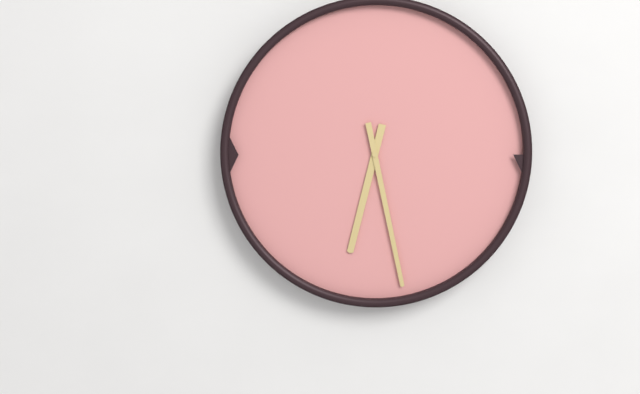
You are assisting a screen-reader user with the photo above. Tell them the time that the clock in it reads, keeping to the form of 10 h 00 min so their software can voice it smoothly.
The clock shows 6 h 28 min
